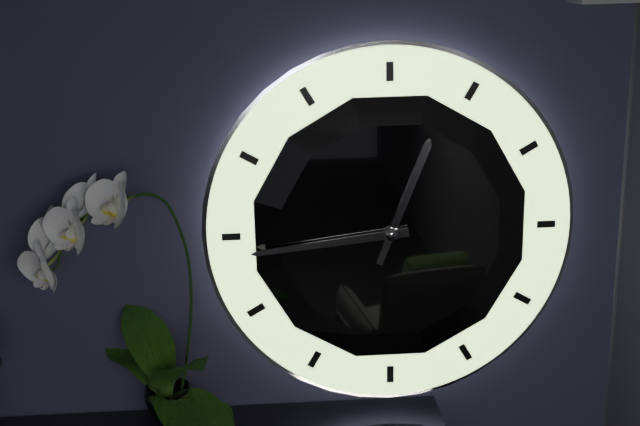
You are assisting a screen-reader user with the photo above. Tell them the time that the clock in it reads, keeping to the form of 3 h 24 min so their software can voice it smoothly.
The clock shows 12 h 44 min
